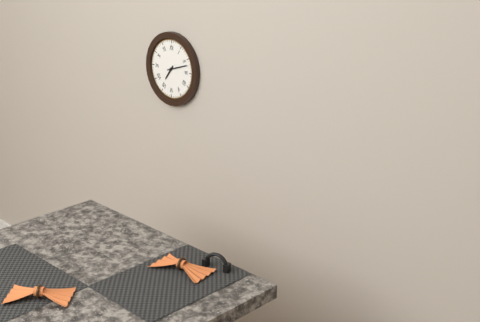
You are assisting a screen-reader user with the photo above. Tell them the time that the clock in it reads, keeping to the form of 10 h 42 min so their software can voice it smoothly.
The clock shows 7 h 12 min
